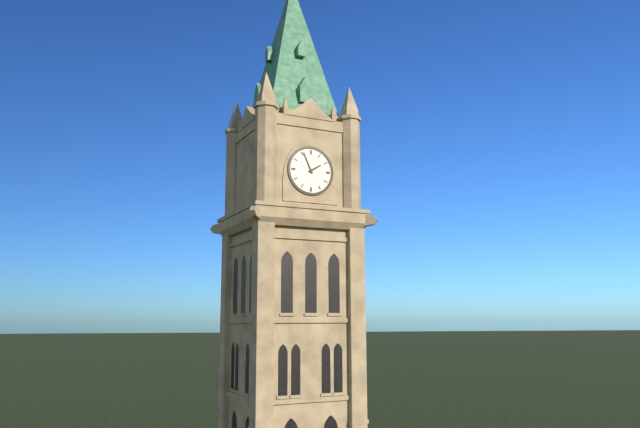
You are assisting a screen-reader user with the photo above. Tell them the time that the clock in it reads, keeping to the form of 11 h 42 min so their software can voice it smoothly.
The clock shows 1 h 56 min
